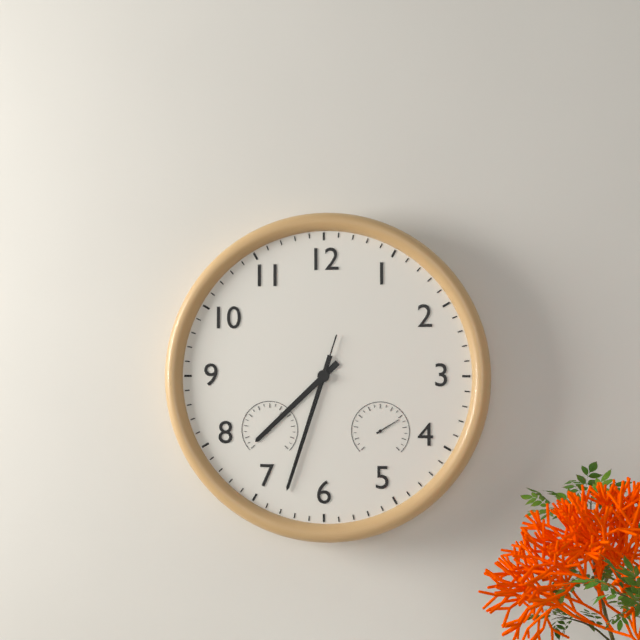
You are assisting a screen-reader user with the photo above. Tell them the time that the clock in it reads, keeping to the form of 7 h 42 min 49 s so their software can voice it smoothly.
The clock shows 7 h 33 min 33 s
